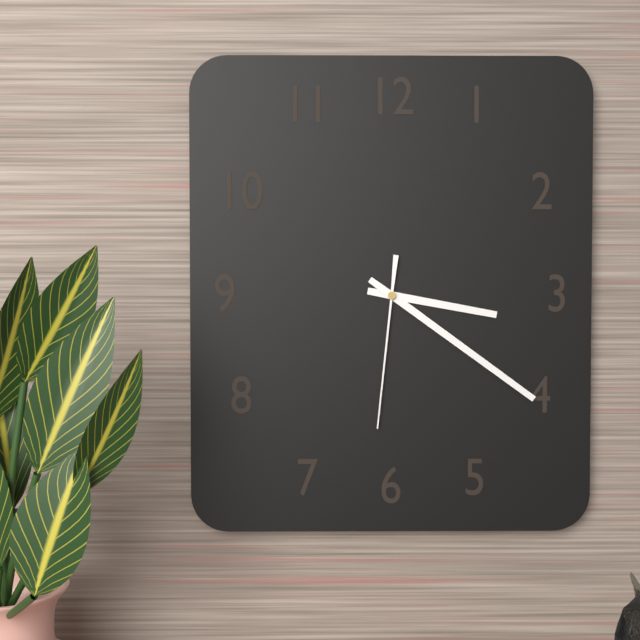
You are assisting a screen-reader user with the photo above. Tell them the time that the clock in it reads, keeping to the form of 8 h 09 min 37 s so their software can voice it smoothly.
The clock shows 3 h 21 min 31 s
